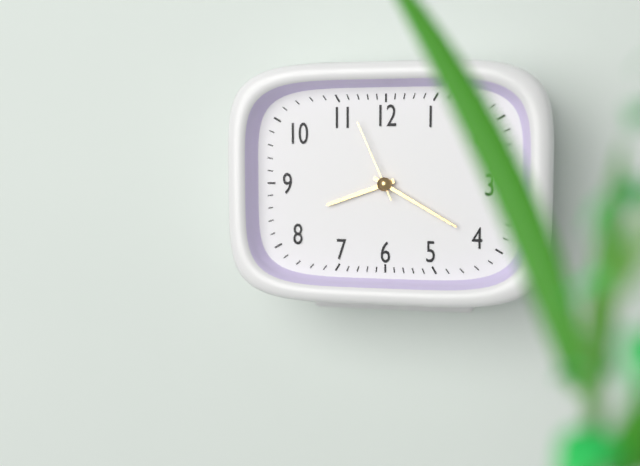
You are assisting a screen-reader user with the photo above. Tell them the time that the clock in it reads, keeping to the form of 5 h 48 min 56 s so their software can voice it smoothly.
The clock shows 8 h 20 min 56 s
